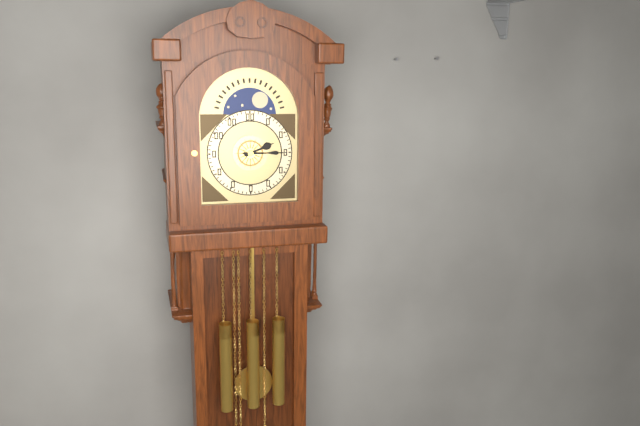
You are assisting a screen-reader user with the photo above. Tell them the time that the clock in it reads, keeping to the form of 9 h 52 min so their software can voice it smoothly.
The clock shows 2 h 15 min
